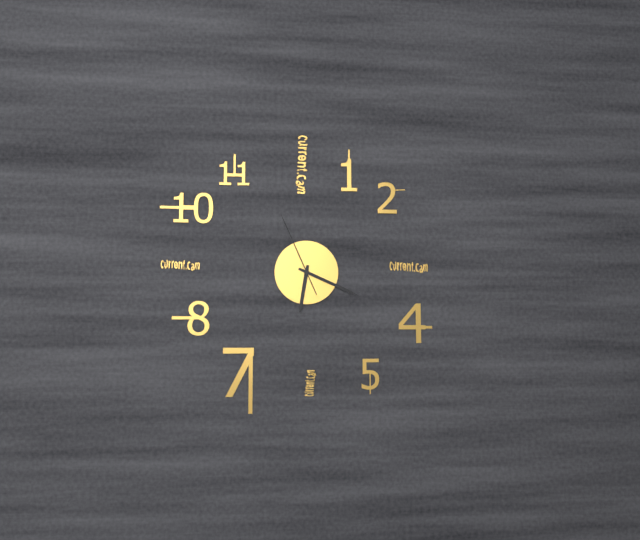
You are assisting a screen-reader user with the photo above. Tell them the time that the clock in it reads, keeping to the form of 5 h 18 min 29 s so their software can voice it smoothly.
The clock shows 6 h 19 min 56 s
